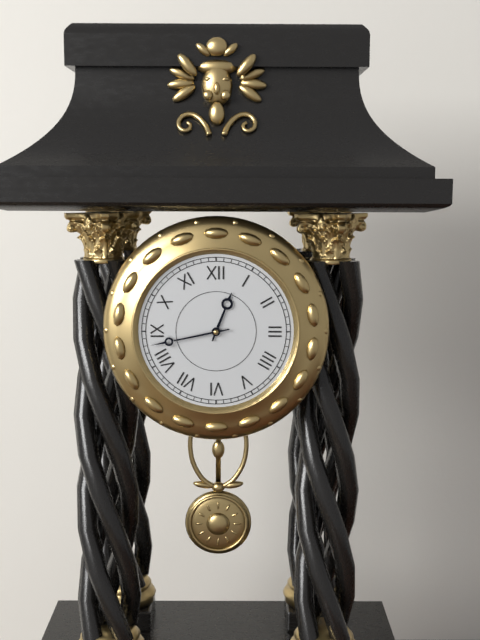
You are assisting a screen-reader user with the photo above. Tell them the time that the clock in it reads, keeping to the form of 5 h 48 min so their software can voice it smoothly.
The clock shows 12 h 43 min
